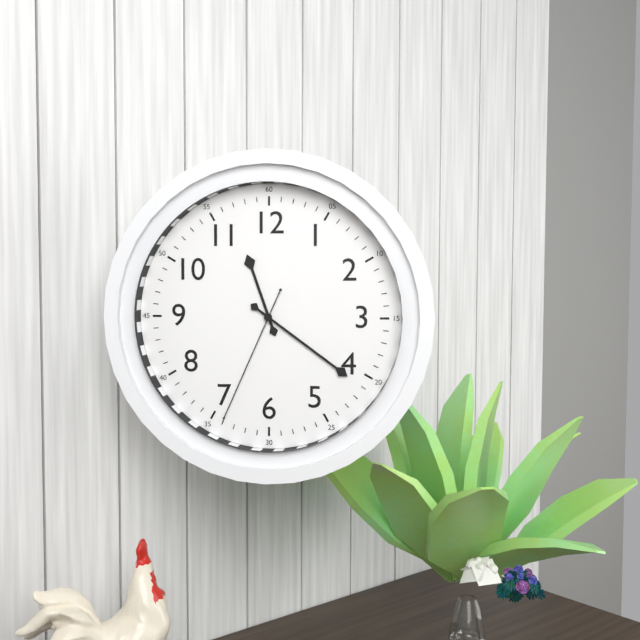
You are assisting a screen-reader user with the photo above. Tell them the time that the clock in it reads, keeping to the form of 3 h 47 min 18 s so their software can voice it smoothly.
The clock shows 11 h 21 min 34 s
